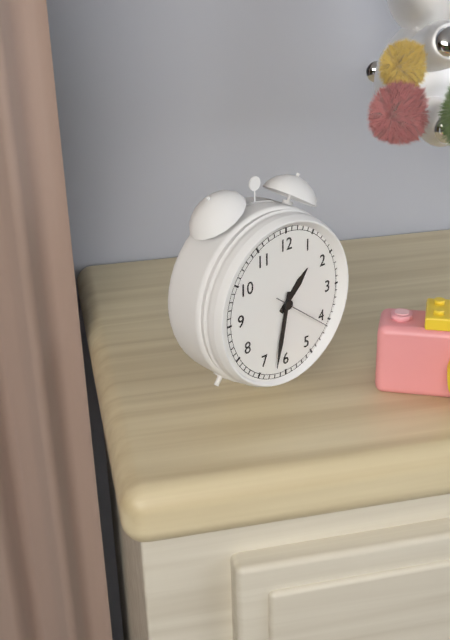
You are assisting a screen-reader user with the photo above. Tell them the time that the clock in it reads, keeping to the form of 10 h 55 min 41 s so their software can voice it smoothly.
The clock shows 1 h 32 min 21 s
